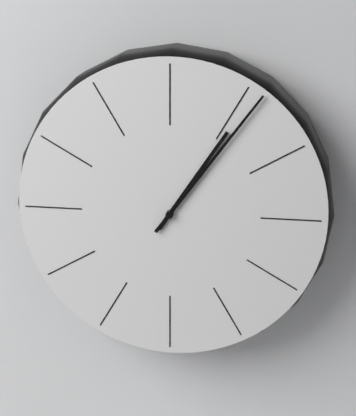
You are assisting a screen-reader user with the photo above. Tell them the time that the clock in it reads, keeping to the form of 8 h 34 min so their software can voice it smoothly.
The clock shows 1 h 06 min
